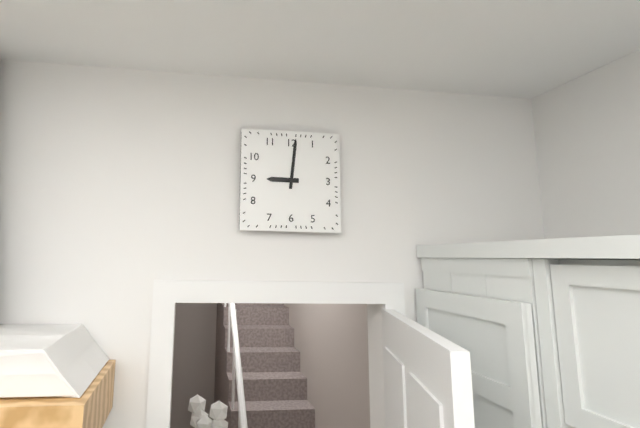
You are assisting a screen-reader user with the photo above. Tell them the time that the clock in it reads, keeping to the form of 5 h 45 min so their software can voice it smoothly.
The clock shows 9 h 01 min
